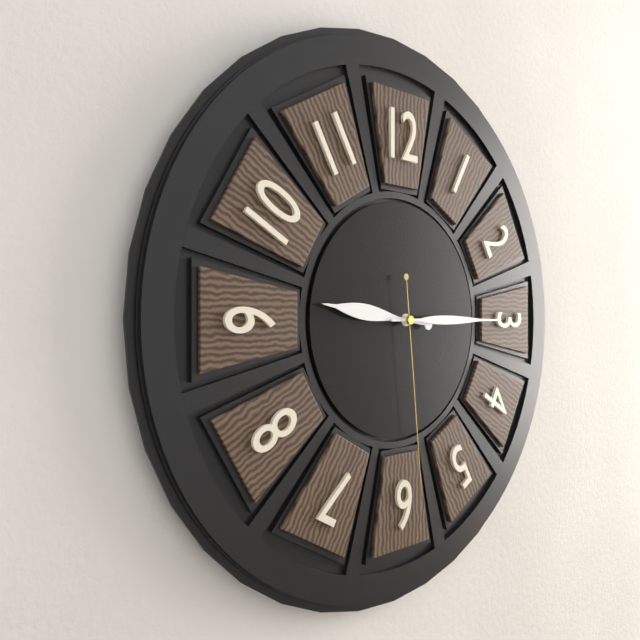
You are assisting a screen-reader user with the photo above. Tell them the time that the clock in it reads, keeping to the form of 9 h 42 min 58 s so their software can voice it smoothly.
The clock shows 9 h 15 min 29 s
